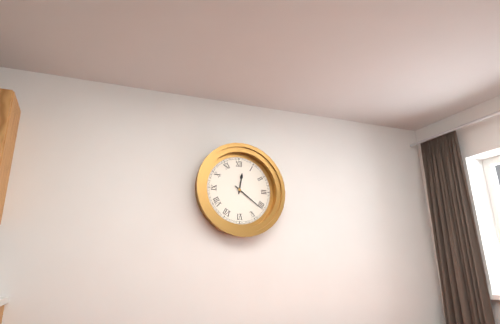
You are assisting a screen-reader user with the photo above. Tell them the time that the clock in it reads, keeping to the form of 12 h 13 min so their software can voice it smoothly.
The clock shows 12 h 21 min
